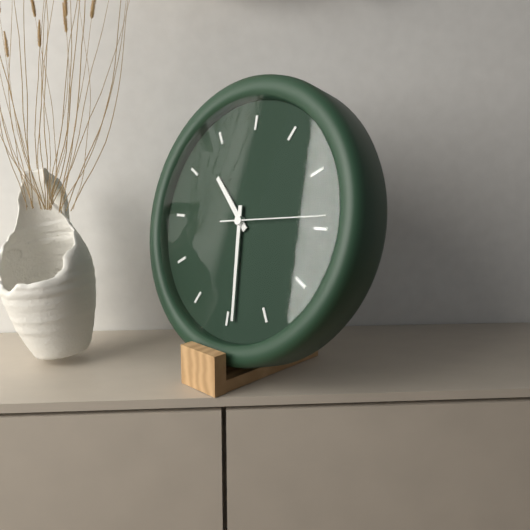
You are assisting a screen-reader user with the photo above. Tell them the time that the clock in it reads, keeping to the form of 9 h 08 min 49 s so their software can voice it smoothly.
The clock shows 10 h 29 min 14 s
